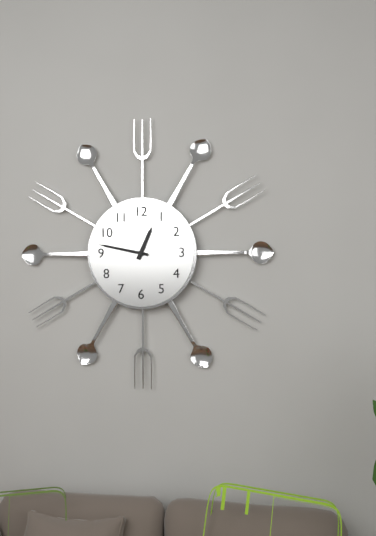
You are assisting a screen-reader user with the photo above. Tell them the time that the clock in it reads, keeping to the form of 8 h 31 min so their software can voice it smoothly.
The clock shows 12 h 47 min
